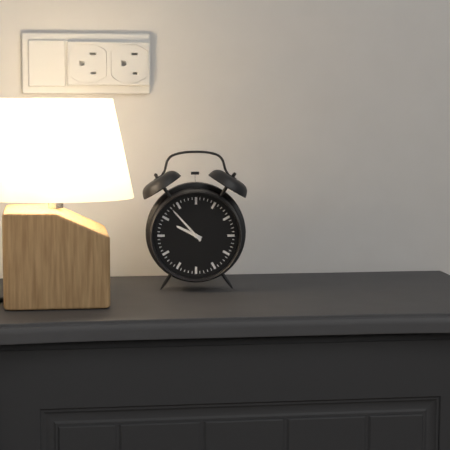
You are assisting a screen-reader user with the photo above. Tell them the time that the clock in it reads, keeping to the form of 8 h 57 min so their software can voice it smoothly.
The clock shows 9 h 53 min
